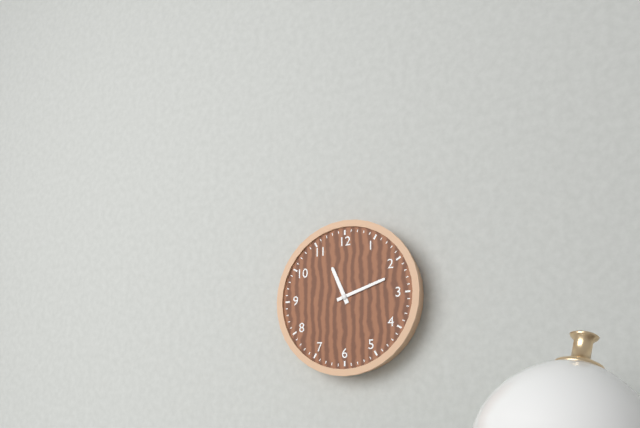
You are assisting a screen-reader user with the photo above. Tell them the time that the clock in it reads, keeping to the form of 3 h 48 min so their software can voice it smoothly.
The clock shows 11 h 12 min
